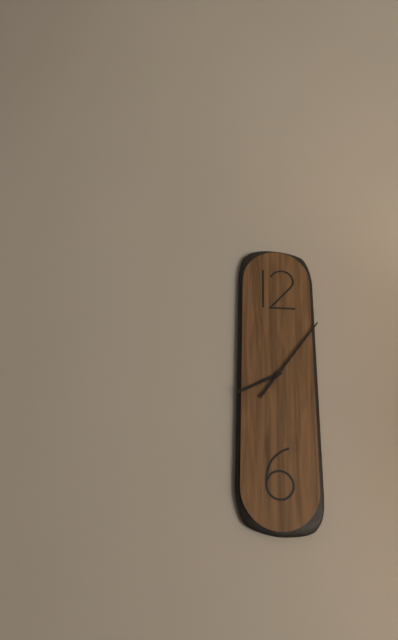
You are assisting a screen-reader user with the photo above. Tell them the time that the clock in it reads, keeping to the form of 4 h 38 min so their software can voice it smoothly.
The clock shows 8 h 06 min
